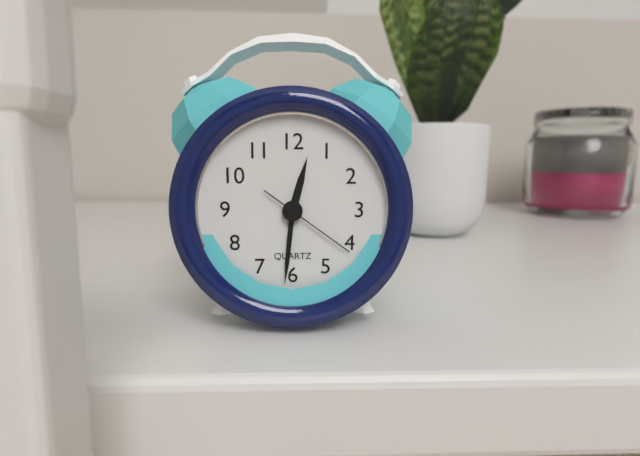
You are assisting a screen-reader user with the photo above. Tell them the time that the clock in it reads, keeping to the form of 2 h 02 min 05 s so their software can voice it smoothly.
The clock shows 12 h 31 min 21 s
